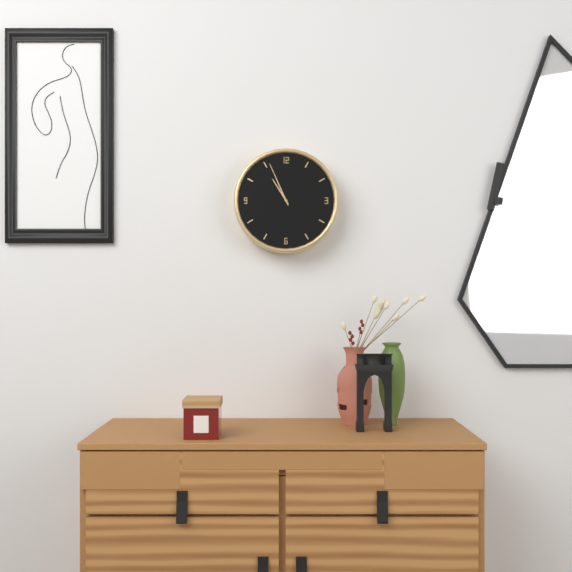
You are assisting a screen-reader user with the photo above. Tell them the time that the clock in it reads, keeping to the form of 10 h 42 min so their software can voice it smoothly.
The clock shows 10 h 56 min
